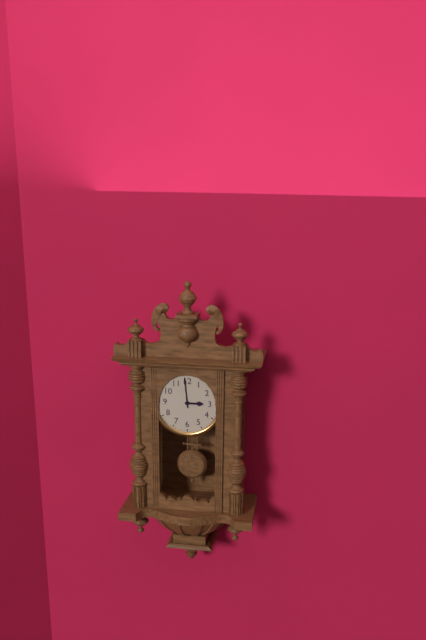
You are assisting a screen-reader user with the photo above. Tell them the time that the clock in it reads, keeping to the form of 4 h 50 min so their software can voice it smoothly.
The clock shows 2 h 59 min
